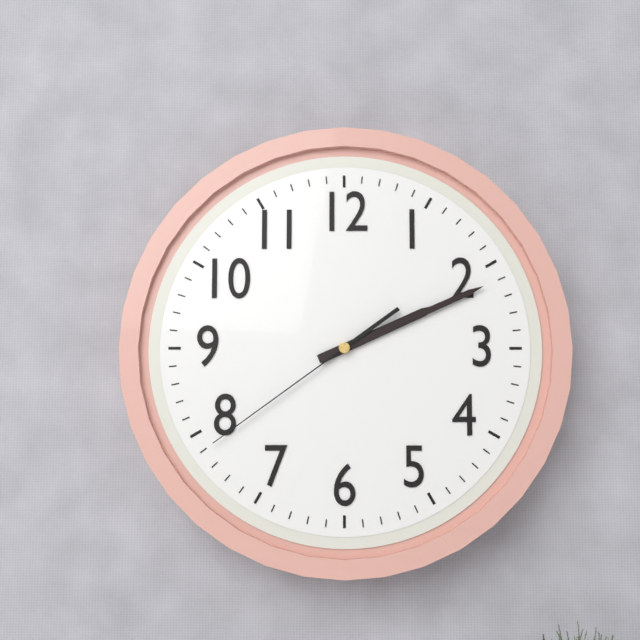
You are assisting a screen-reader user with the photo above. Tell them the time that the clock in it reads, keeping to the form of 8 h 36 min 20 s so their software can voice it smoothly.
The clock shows 2 h 11 min 39 s
